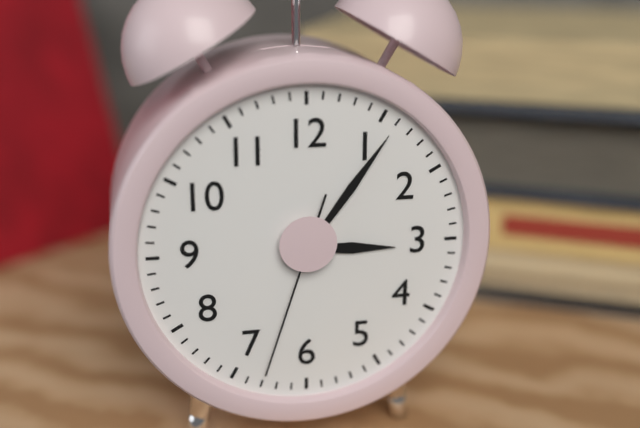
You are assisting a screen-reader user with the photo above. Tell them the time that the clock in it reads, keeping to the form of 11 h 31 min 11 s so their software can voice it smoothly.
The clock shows 3 h 06 min 33 s
